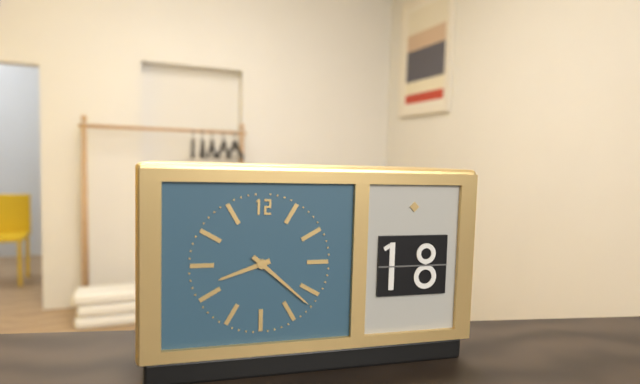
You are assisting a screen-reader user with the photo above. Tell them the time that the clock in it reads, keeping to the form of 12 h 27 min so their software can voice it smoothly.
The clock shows 8 h 22 min
